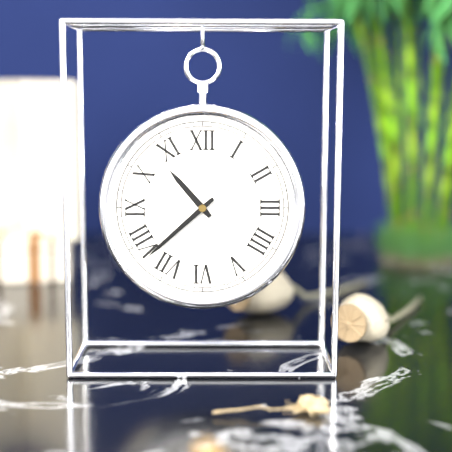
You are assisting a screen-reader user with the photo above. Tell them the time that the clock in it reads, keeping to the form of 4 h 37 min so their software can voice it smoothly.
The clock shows 10 h 38 min
